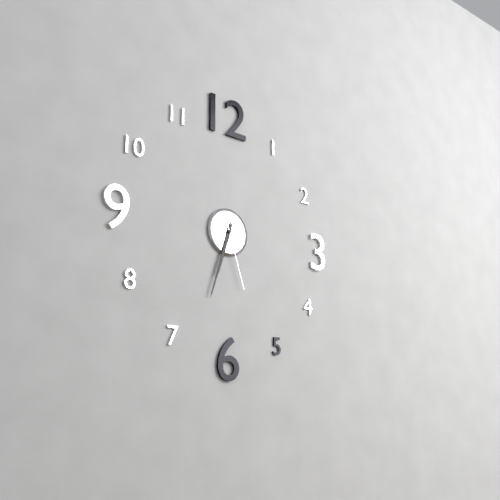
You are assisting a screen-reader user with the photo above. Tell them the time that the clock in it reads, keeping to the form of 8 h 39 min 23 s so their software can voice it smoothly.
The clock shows 6 h 33 min 27 s
